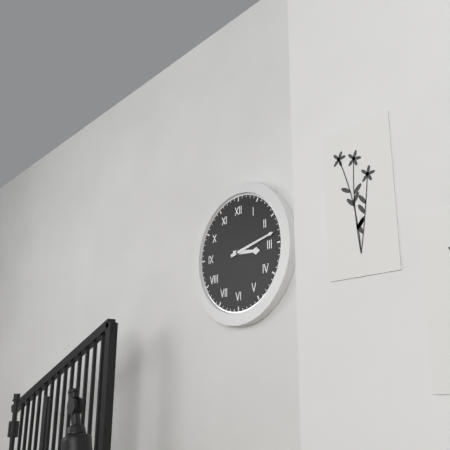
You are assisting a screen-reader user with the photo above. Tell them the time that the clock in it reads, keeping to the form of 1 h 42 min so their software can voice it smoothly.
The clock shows 3 h 13 min
